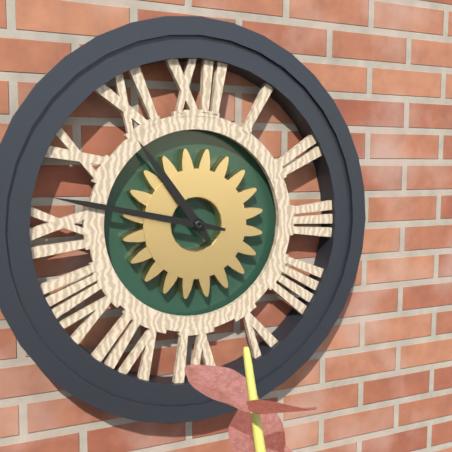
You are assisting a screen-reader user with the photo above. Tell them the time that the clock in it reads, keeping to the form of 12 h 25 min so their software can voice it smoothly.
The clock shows 10 h 47 min
